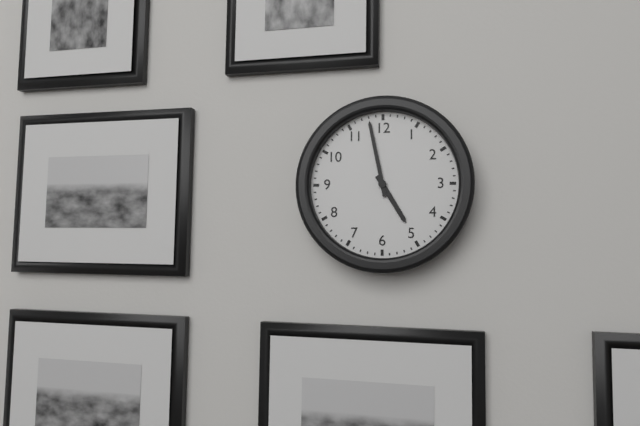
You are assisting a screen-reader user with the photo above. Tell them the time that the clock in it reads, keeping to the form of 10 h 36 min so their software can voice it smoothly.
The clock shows 4 h 58 min
